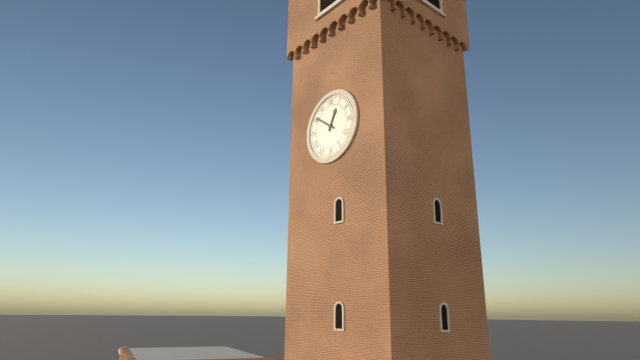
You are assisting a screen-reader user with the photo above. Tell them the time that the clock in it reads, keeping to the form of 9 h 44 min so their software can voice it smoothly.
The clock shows 12 h 51 min
